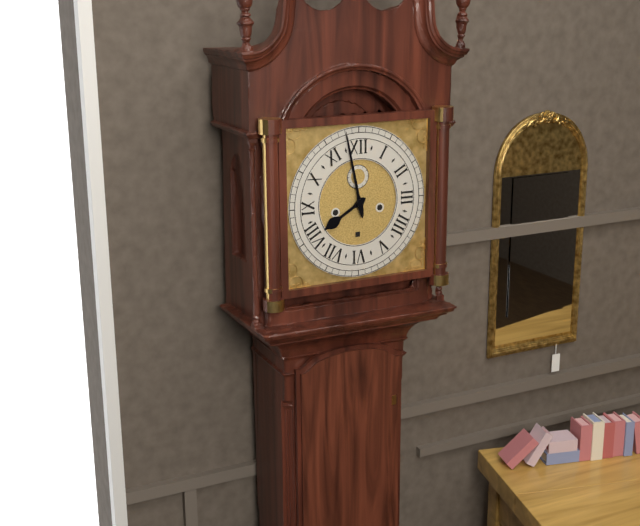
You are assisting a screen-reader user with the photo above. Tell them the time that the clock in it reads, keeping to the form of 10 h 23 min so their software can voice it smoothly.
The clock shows 7 h 58 min
